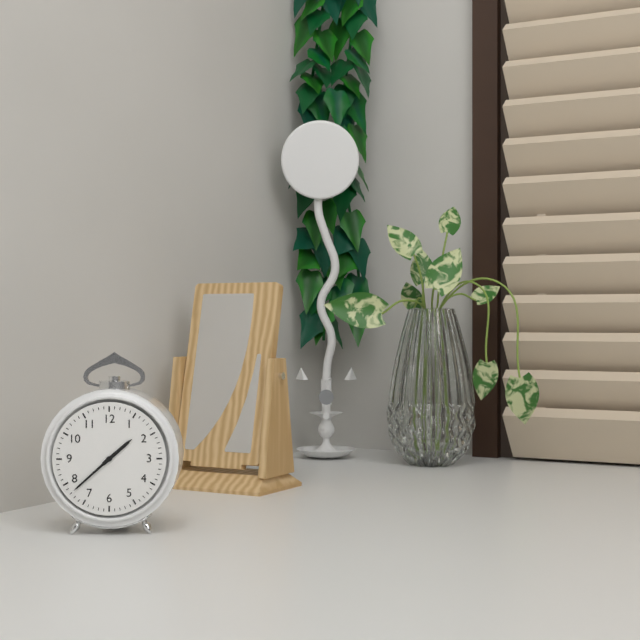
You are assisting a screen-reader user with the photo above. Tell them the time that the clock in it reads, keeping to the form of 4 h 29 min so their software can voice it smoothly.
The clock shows 1 h 38 min
